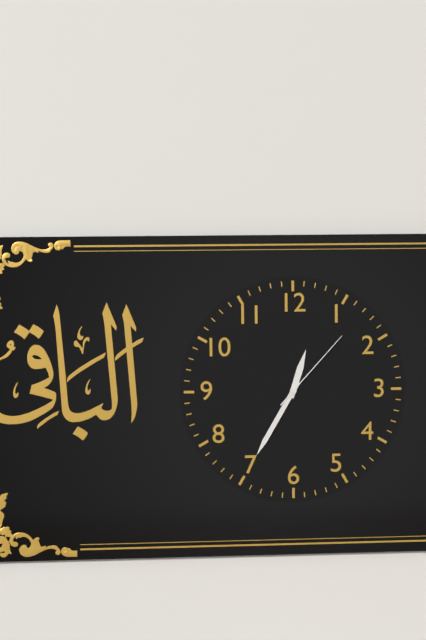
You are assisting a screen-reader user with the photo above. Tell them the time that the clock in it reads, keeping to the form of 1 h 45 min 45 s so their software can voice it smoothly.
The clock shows 12 h 35 min 07 s
